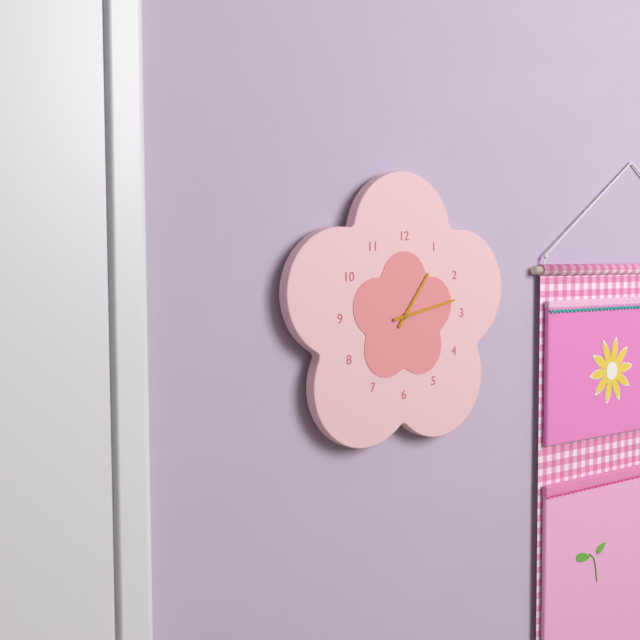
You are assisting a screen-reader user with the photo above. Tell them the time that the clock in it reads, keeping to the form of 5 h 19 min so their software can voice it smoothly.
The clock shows 1 h 13 min
